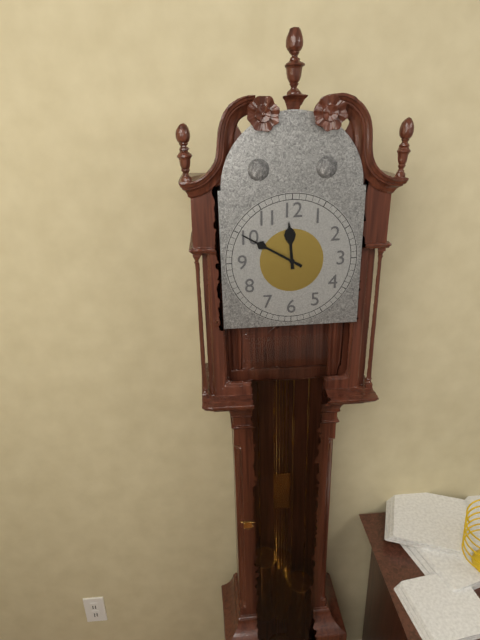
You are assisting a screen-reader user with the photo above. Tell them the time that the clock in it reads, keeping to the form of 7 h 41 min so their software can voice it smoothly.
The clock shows 11 h 50 min
